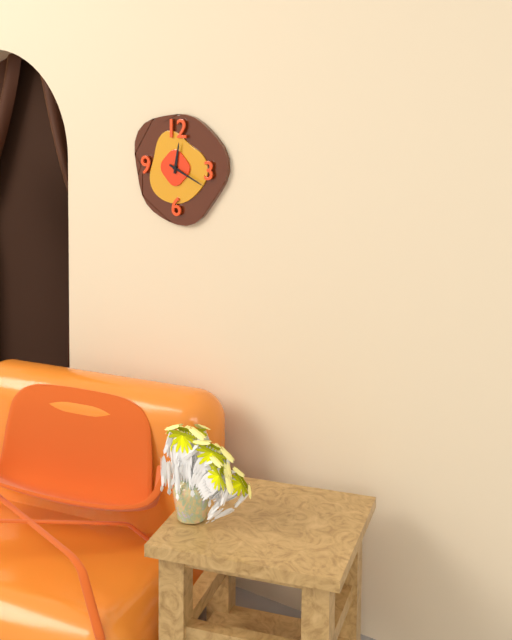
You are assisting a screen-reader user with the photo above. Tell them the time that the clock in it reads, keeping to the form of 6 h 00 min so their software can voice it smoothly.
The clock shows 12 h 19 min
